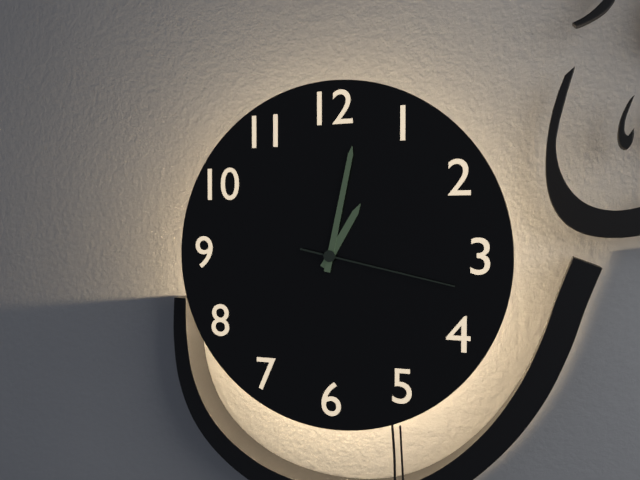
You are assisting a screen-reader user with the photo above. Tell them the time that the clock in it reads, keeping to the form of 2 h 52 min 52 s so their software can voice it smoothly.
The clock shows 1 h 02 min 17 s
